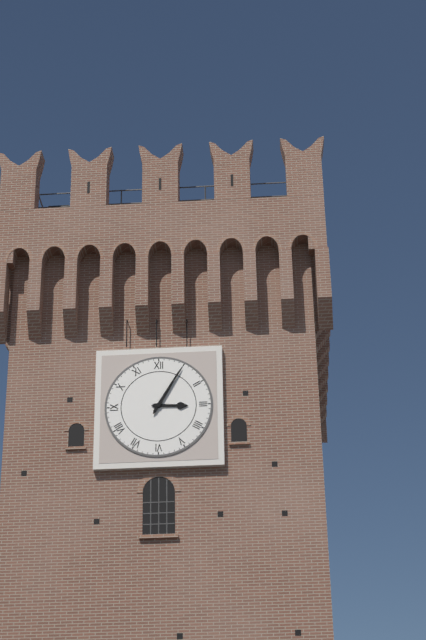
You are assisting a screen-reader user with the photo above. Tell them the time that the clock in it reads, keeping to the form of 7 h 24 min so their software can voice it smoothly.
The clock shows 3 h 05 min
